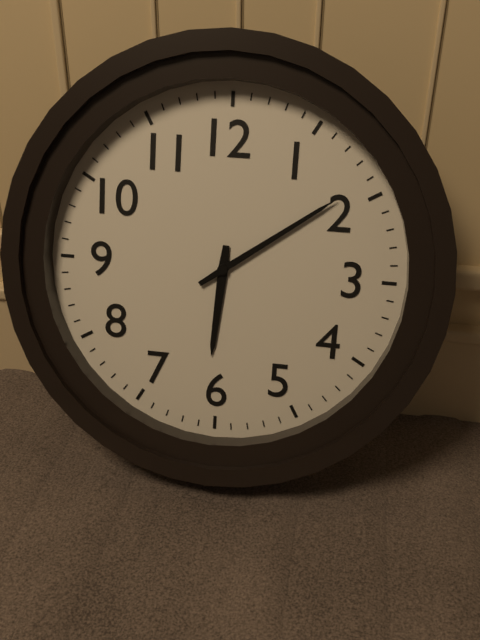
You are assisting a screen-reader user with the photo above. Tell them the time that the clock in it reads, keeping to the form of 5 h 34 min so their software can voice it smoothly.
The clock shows 6 h 09 min
